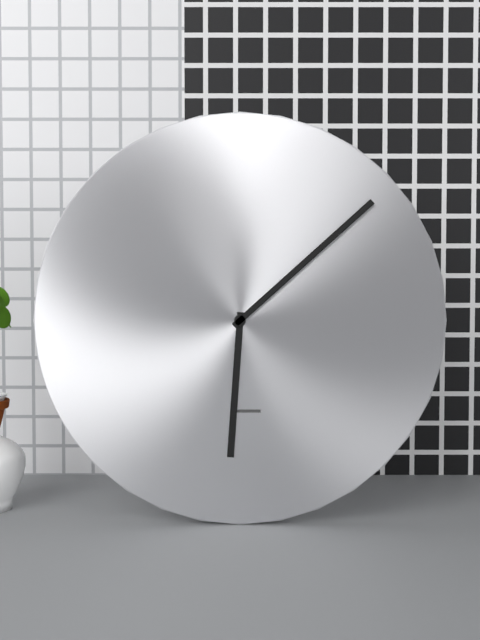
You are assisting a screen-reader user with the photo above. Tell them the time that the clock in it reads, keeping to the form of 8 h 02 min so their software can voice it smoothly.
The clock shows 6 h 08 min
